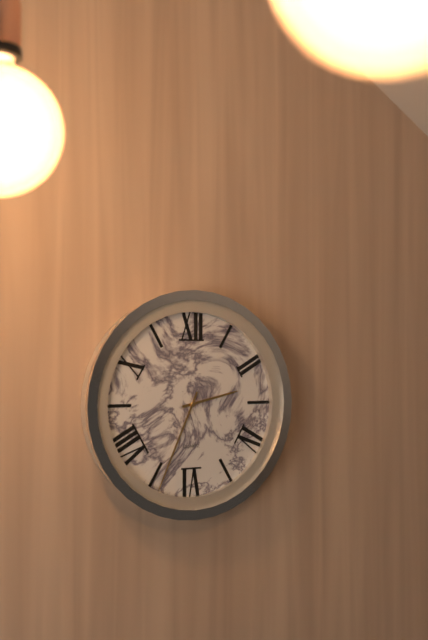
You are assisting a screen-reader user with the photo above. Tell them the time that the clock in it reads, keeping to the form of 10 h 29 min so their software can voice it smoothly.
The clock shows 2 h 34 min
